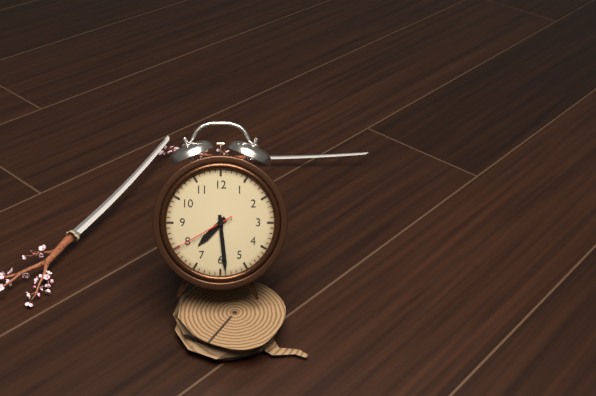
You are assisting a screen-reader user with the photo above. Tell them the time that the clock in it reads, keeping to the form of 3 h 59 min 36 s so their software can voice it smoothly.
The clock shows 7 h 29 min 40 s
